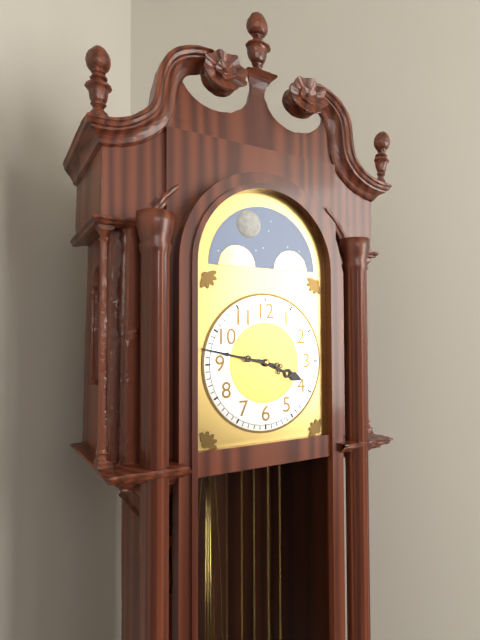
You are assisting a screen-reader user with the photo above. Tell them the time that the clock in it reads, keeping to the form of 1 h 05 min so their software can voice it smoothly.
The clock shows 3 h 47 min
